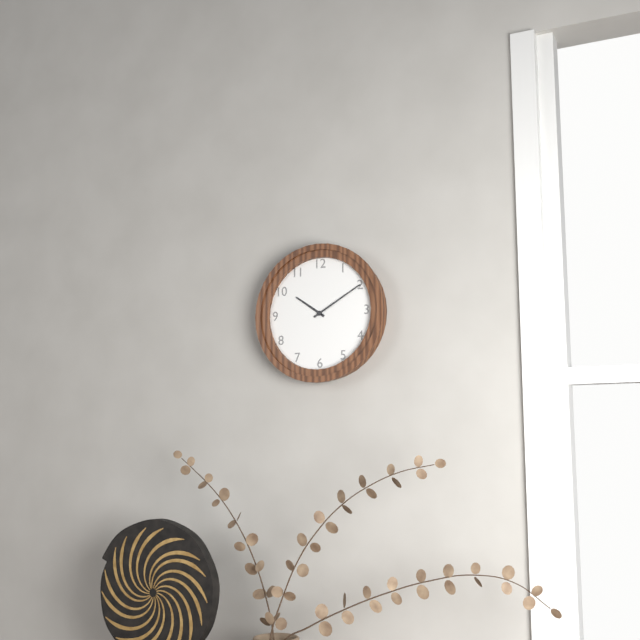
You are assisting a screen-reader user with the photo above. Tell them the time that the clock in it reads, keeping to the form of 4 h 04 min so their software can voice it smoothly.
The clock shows 10 h 10 min
